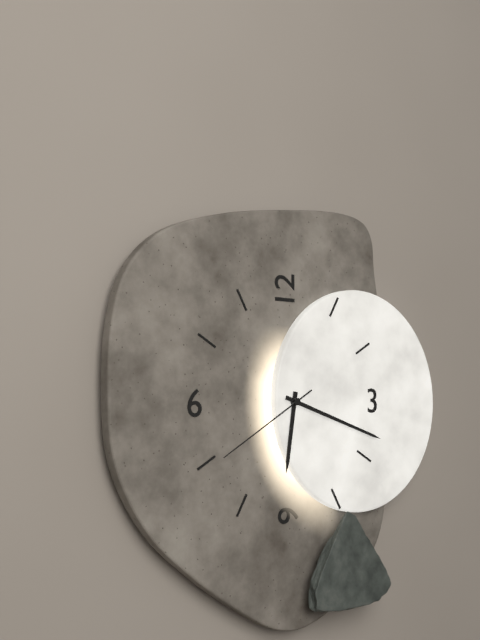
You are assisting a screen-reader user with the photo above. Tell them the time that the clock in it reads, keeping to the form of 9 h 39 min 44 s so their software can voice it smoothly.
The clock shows 6 h 18 min 40 s
